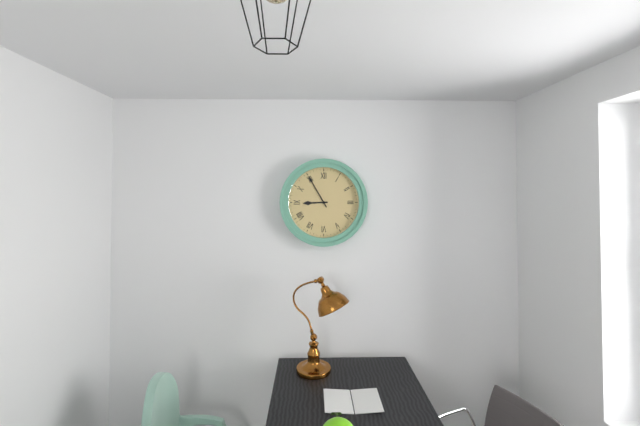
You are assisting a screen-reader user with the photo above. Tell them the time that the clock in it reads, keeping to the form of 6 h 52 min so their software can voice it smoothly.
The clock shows 8 h 55 min
